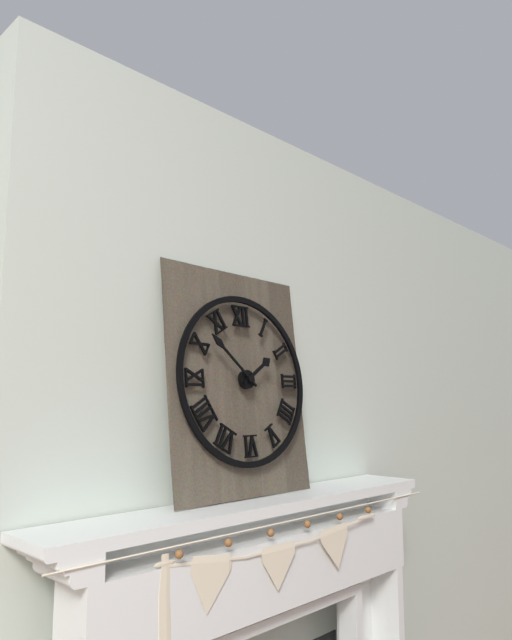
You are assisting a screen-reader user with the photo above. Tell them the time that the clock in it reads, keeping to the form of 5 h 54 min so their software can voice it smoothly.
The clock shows 1 h 52 min
